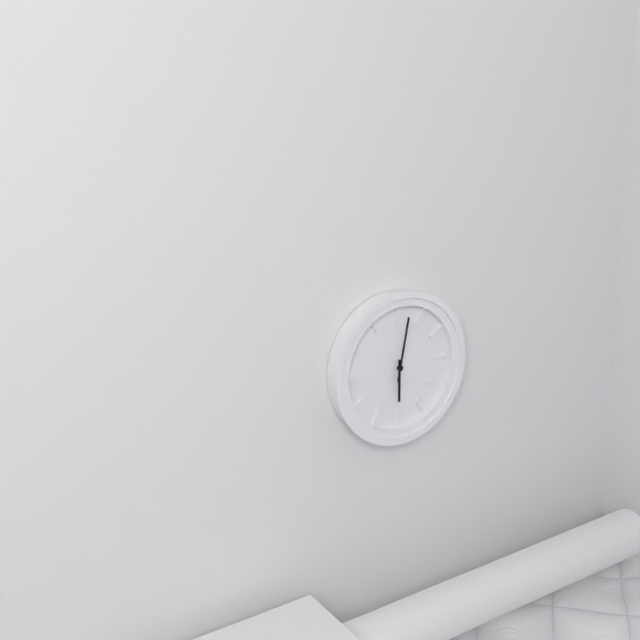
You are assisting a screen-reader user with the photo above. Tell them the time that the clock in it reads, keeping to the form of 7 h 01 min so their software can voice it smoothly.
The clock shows 6 h 02 min
